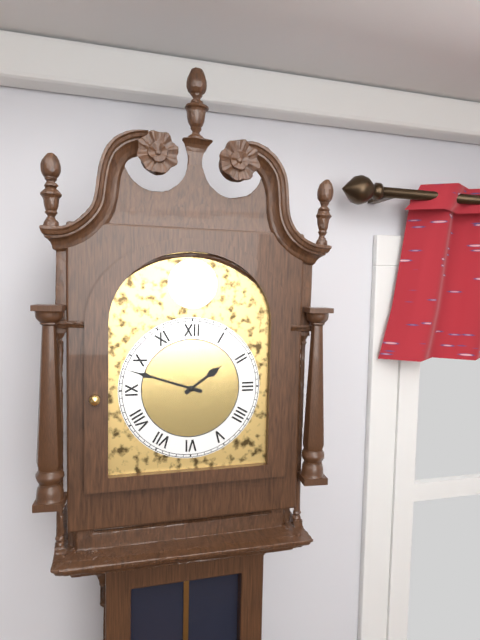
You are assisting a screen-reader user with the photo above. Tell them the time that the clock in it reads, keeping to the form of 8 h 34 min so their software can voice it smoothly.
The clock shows 1 h 48 min
